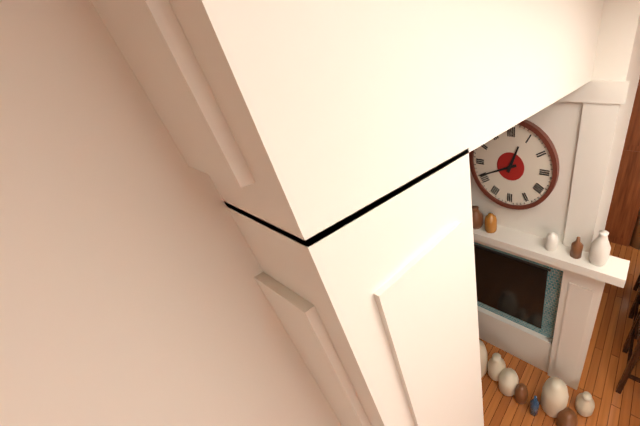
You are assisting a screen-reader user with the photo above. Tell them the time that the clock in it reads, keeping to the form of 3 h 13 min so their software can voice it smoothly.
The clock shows 12 h 41 min
